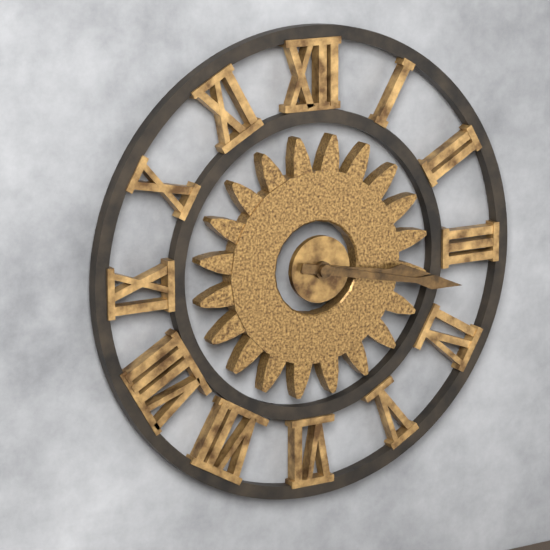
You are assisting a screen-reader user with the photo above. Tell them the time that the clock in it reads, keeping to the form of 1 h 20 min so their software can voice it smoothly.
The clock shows 3 h 17 min
